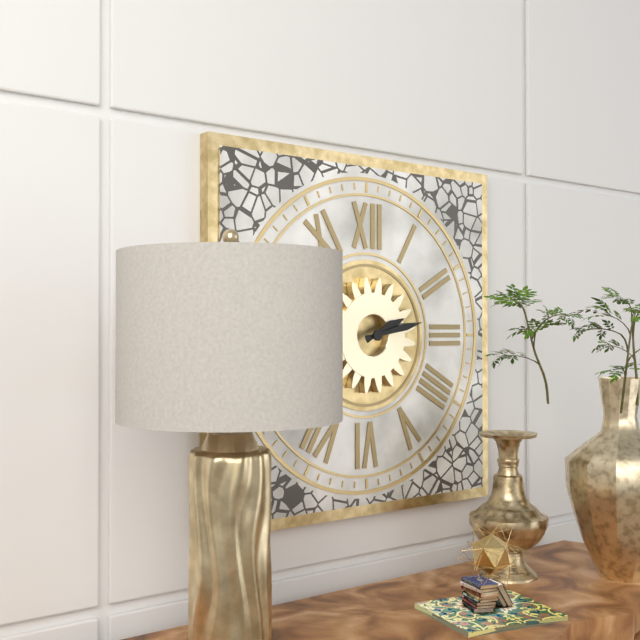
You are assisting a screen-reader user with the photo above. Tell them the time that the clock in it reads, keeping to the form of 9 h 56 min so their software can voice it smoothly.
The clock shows 2 h 13 min
